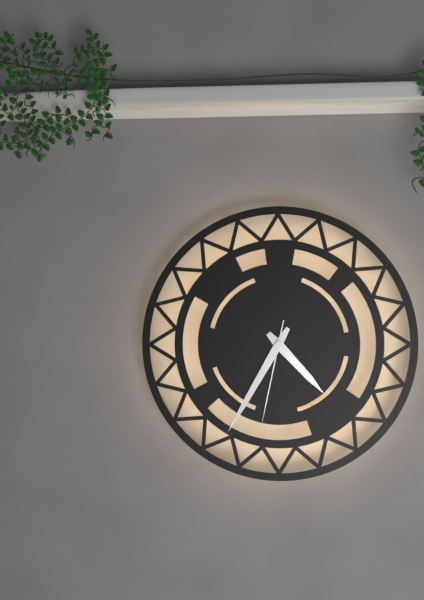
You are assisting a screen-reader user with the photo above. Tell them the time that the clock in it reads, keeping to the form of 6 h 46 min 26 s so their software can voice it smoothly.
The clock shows 4 h 35 min 32 s
